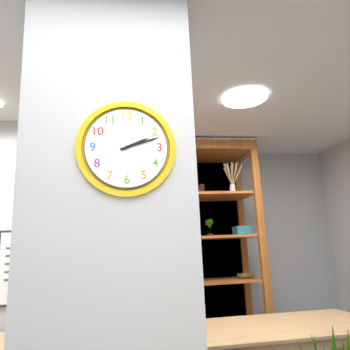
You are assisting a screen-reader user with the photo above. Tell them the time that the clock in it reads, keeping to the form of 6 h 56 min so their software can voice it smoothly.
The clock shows 2 h 12 min
